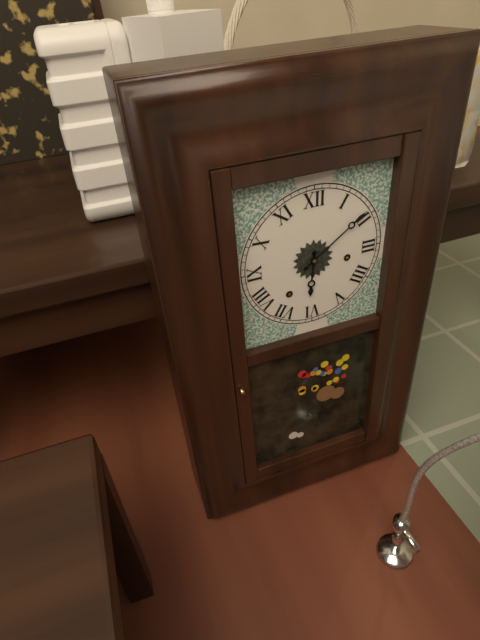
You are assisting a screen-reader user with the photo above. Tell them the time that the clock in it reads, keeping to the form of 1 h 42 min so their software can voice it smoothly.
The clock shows 6 h 09 min
